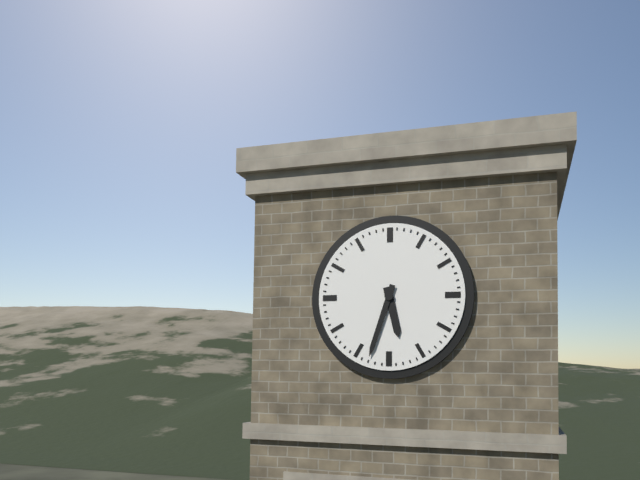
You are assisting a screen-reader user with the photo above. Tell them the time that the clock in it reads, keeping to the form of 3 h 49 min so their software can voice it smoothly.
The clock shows 5 h 33 min
